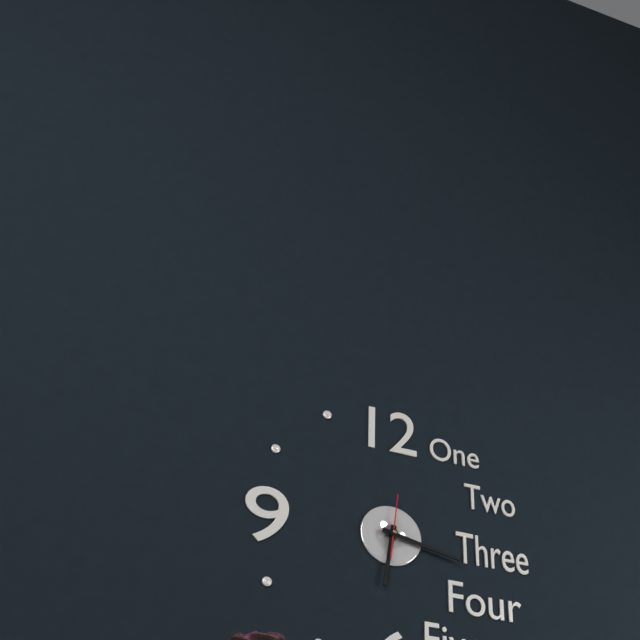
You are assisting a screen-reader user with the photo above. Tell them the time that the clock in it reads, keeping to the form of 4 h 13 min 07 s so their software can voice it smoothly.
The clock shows 6 h 17 min 01 s
